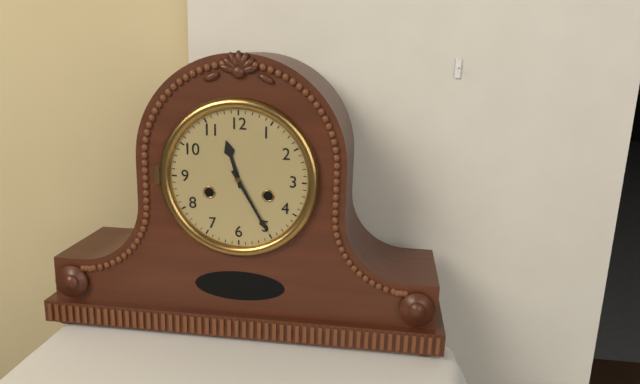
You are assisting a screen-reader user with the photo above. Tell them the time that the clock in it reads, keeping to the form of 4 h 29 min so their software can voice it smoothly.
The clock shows 11 h 25 min
